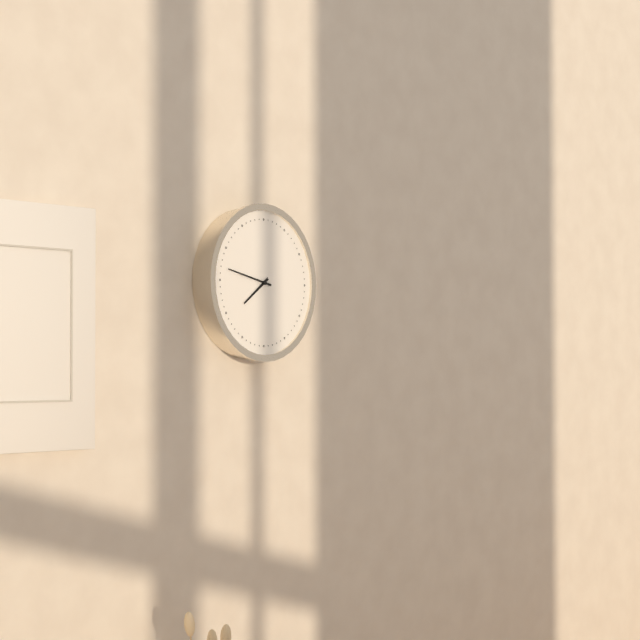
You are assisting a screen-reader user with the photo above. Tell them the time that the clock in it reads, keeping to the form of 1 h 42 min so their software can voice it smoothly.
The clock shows 7 h 47 min
